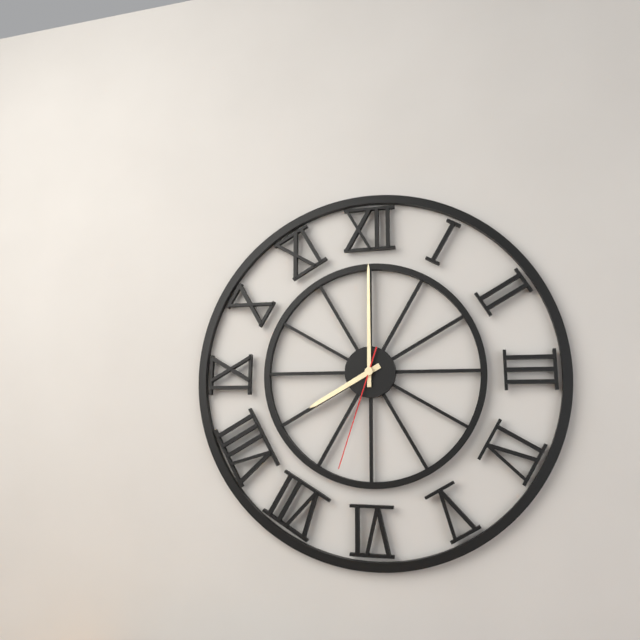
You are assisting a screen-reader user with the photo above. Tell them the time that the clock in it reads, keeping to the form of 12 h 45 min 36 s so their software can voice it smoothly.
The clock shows 8 h 00 min 33 s
